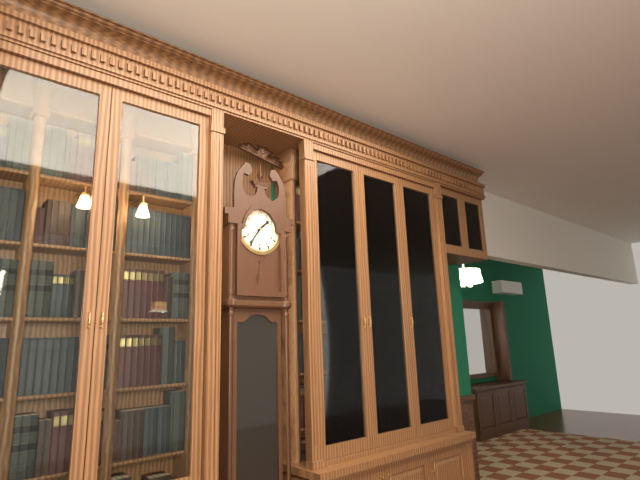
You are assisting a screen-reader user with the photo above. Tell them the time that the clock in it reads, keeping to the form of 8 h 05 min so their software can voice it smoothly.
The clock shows 1 h 36 min
